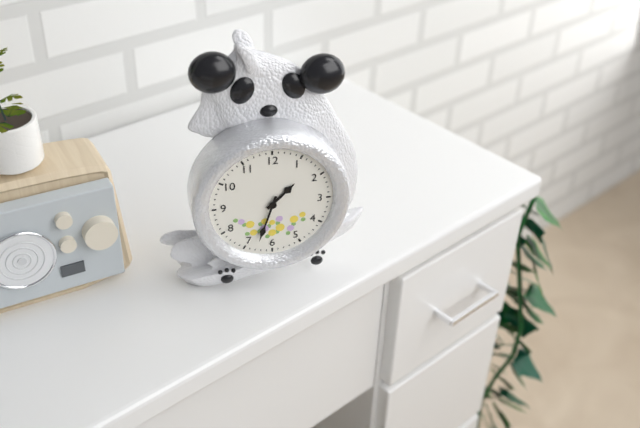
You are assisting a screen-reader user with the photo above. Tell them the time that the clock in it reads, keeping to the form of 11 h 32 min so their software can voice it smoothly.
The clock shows 1 h 33 min
